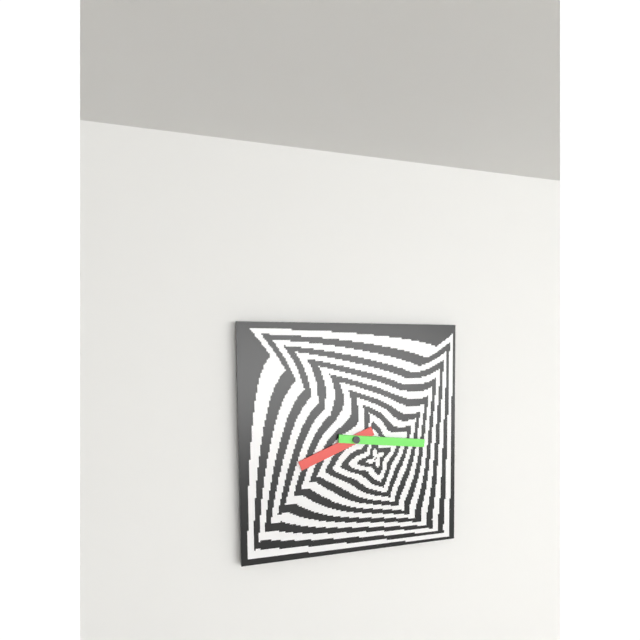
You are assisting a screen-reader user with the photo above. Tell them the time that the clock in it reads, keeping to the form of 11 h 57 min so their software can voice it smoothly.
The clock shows 8 h 16 min
